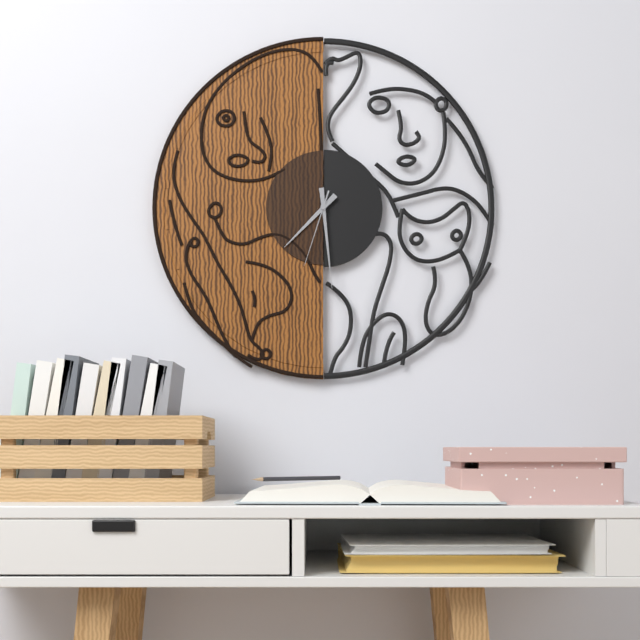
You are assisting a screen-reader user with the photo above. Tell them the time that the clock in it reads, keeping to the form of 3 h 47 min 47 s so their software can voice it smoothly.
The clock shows 7 h 29 min 33 s
